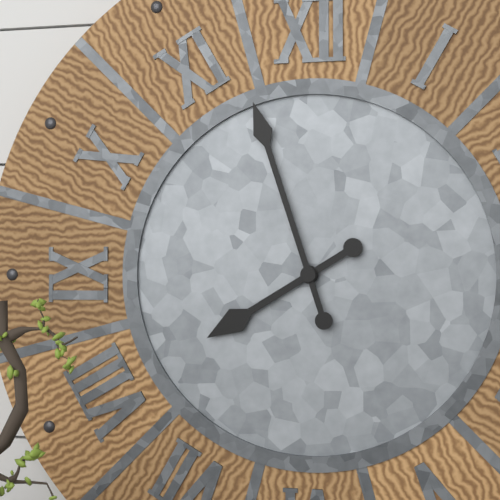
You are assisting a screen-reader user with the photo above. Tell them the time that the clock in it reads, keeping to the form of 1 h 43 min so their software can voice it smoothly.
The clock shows 7 h 57 min
